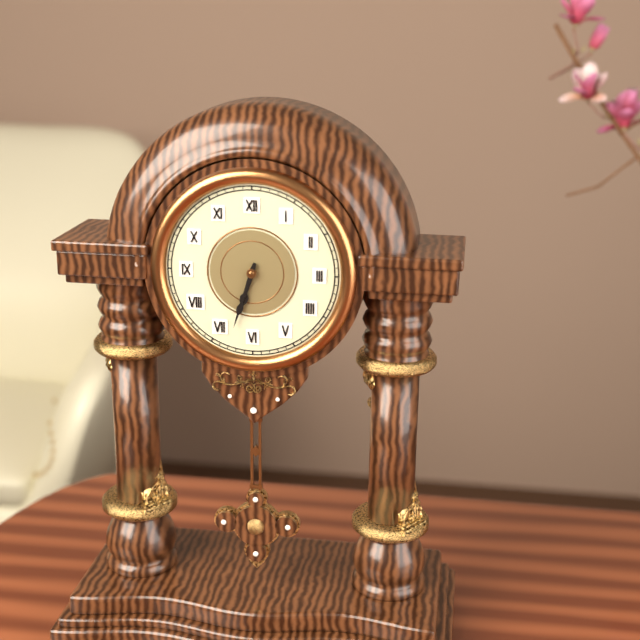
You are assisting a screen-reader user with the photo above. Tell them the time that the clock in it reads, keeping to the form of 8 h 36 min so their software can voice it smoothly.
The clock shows 6 h 33 min
